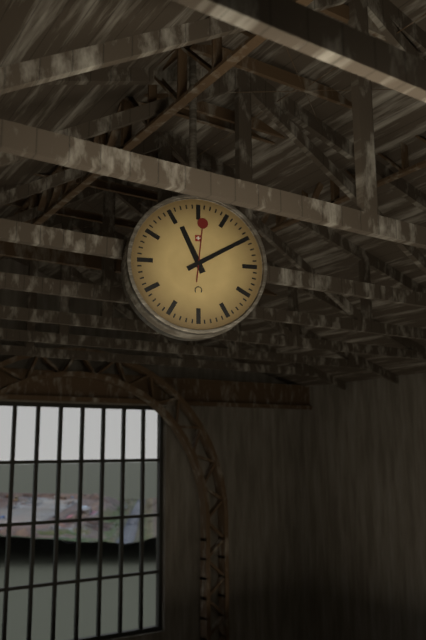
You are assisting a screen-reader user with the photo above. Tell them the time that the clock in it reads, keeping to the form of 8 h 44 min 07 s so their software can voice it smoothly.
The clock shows 11 h 10 min 01 s
